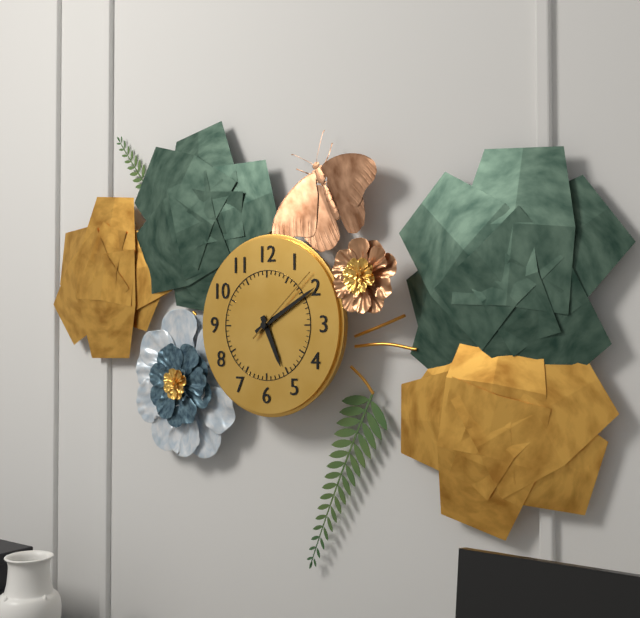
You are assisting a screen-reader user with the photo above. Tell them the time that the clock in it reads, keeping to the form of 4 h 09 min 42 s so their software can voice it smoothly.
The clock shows 5 h 10 min 08 s
